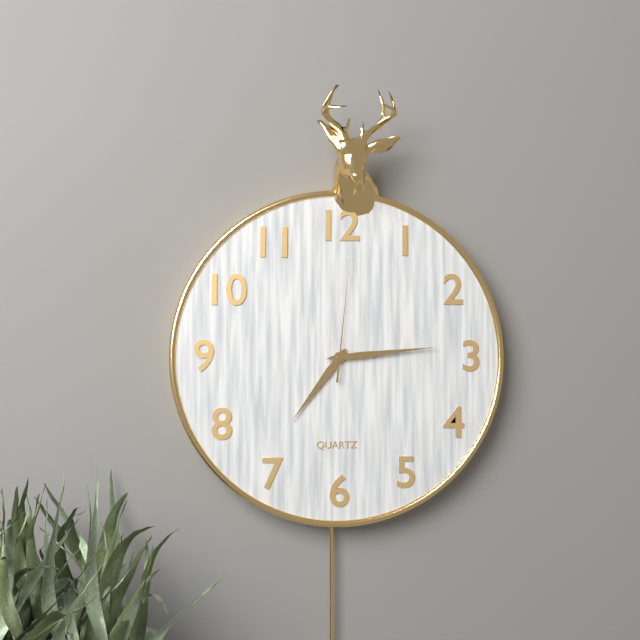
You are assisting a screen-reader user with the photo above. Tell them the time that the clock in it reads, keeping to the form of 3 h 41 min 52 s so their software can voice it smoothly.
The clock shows 7 h 14 min 01 s
